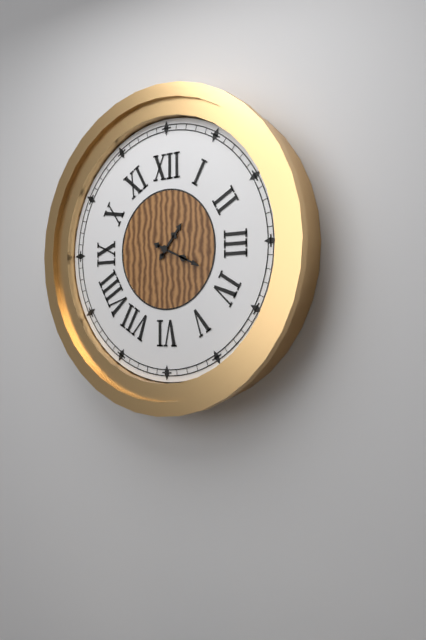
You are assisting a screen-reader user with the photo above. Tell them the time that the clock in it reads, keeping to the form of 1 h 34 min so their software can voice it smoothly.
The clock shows 1 h 19 min
